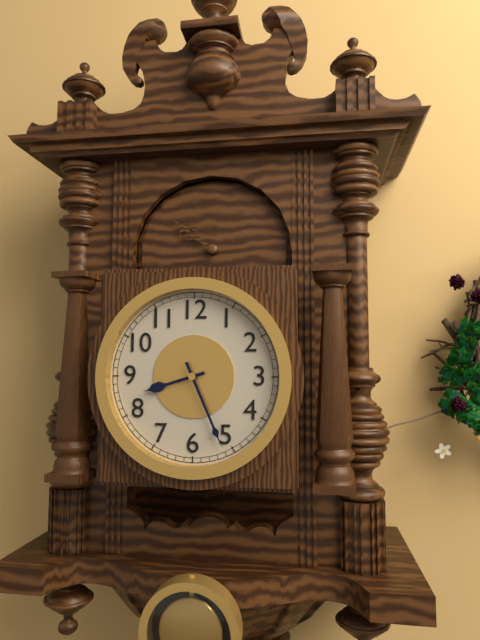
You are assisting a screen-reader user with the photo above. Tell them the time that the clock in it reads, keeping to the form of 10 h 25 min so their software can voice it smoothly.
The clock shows 8 h 26 min
